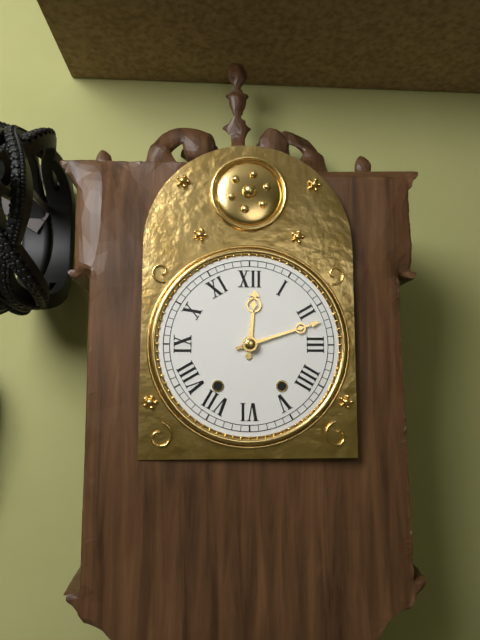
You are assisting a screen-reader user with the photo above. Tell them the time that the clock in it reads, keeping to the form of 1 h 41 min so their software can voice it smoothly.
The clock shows 12 h 12 min
